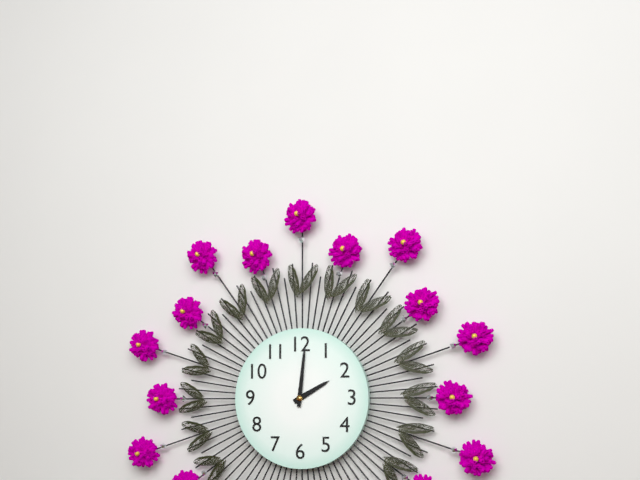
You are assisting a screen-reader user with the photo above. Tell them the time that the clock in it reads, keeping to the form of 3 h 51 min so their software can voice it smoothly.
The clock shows 2 h 01 min
